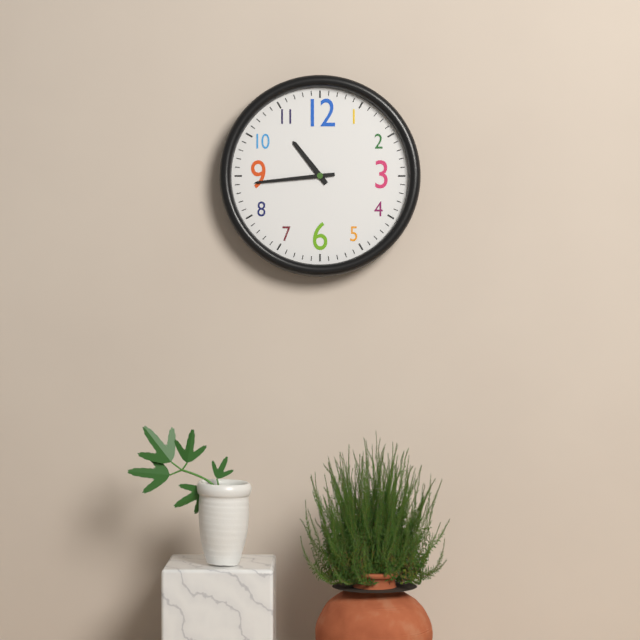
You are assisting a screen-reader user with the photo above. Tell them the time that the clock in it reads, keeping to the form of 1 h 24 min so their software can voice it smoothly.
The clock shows 10 h 44 min
